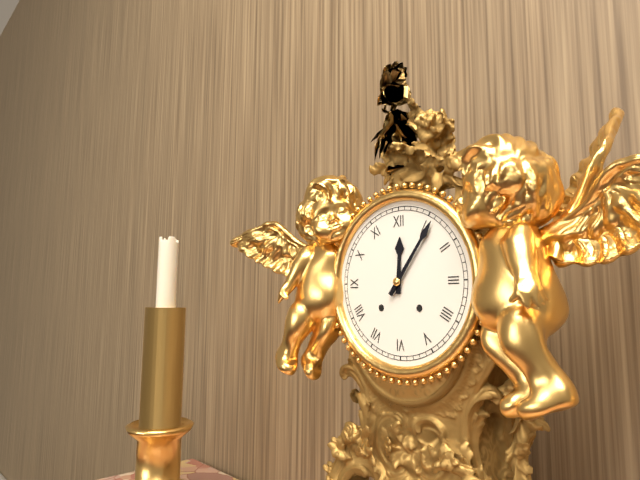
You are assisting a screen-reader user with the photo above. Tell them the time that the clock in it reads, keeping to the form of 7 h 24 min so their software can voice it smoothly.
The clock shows 12 h 06 min
